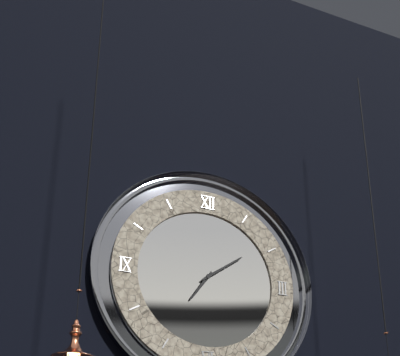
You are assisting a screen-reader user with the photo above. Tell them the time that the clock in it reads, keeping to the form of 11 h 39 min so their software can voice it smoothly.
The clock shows 7 h 09 min
